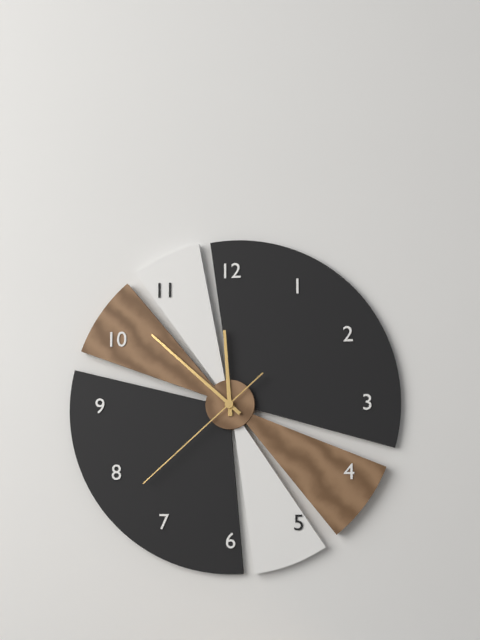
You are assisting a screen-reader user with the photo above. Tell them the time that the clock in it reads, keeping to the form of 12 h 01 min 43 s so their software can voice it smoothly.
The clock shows 11 h 52 min 38 s
